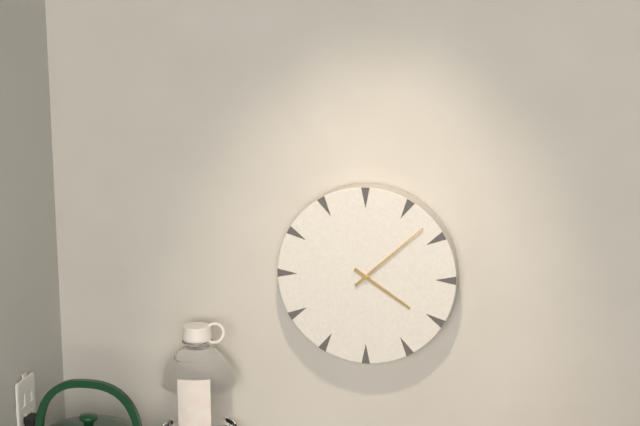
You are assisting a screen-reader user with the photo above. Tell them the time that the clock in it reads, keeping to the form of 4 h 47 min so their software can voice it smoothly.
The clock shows 4 h 08 min
